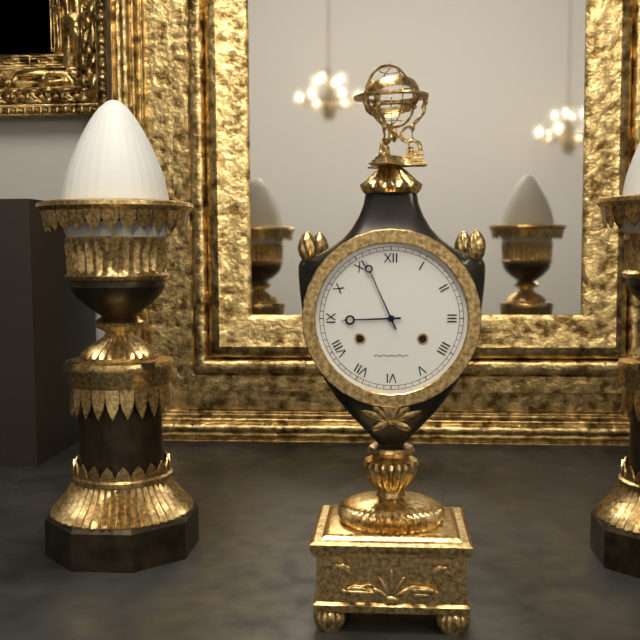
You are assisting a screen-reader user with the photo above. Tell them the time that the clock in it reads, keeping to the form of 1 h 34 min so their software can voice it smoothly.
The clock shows 8 h 56 min
